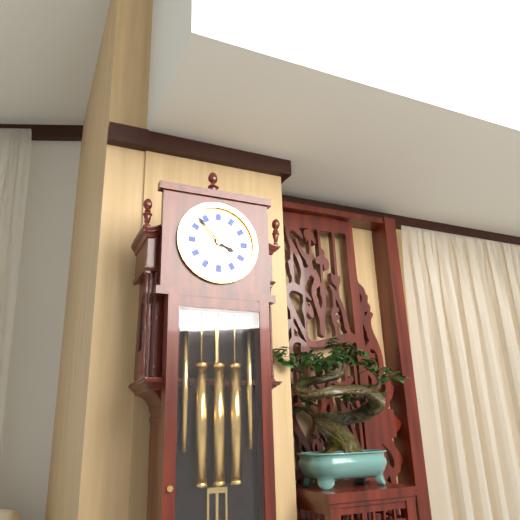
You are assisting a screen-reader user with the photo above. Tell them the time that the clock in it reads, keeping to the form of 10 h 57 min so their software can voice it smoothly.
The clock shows 3 h 53 min
